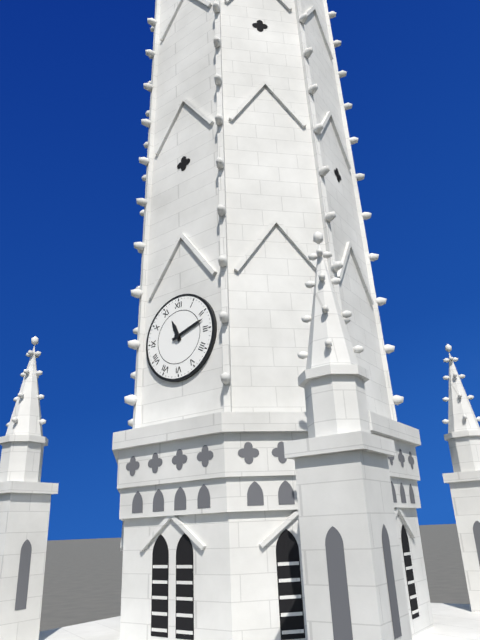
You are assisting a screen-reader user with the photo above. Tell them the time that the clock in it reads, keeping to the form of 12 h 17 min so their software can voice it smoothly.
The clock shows 11 h 12 min
